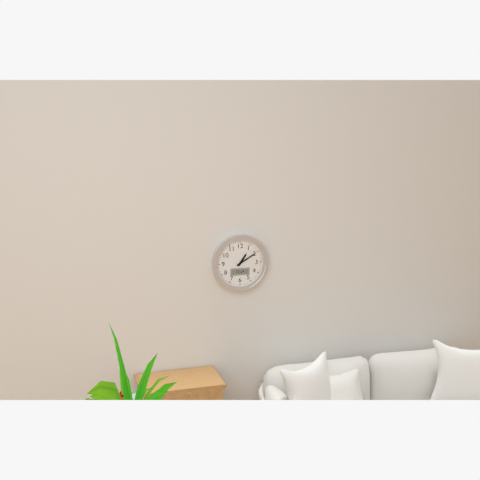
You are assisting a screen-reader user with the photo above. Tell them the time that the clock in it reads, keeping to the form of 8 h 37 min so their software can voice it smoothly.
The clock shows 1 h 10 min
